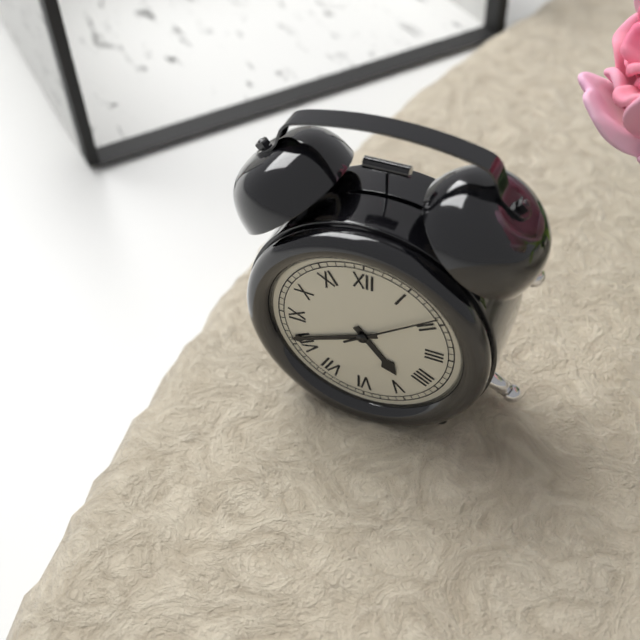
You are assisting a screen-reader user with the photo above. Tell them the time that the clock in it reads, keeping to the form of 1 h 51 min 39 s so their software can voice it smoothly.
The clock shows 4 h 41 min 09 s
